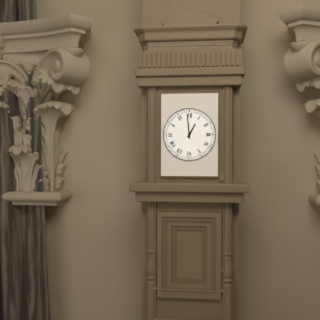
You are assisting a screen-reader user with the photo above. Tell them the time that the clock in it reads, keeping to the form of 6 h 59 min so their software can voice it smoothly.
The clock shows 12 h 59 min
